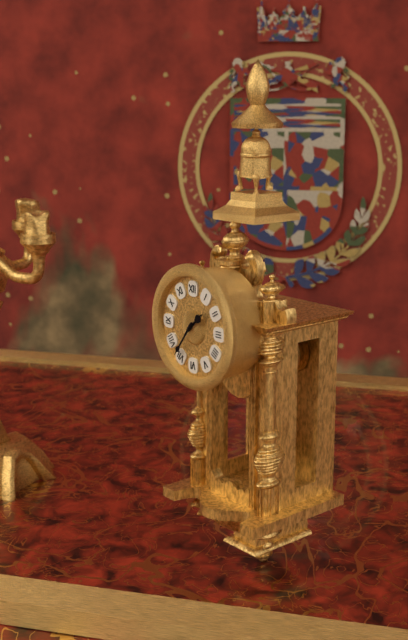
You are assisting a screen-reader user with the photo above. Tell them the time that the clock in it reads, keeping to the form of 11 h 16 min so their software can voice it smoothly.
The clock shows 1 h 36 min
